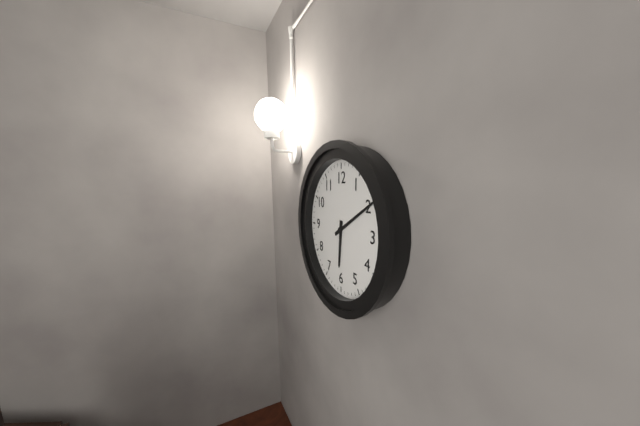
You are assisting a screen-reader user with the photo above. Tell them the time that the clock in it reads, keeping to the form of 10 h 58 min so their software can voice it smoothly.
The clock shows 6 h 10 min
